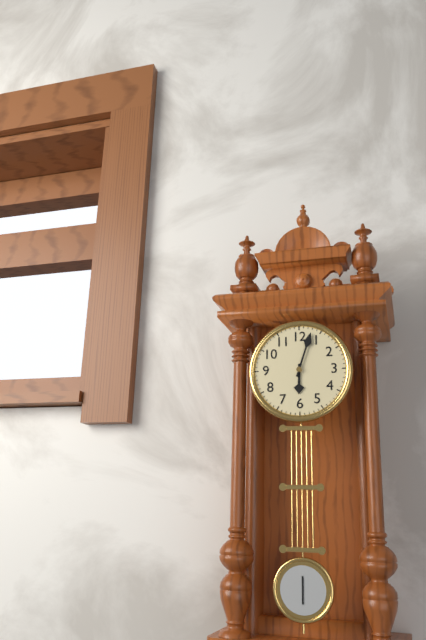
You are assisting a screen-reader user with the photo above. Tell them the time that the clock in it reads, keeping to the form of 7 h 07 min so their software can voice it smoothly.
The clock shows 6 h 03 min
